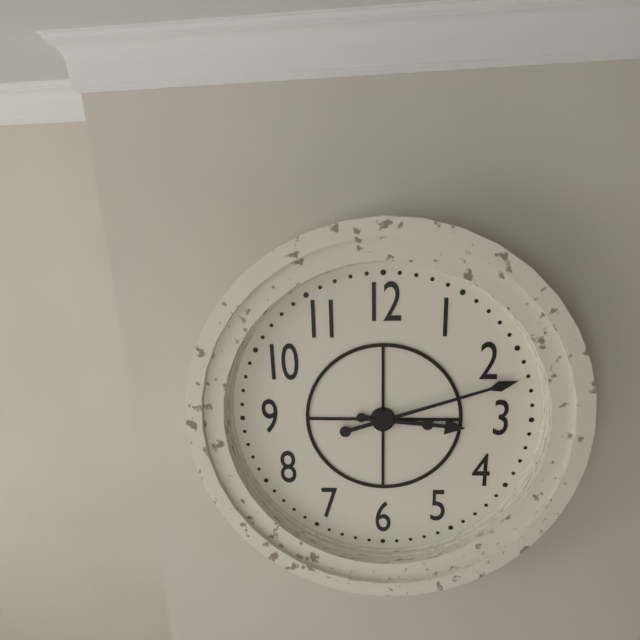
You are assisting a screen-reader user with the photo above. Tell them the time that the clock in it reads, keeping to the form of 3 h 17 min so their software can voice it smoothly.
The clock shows 3 h 12 min
